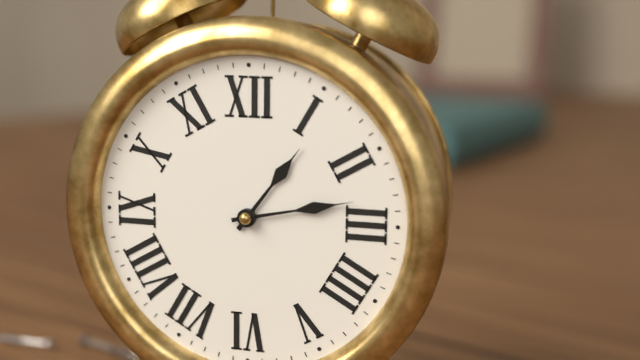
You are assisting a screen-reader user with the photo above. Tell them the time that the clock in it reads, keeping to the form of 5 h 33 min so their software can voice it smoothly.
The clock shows 1 h 13 min
